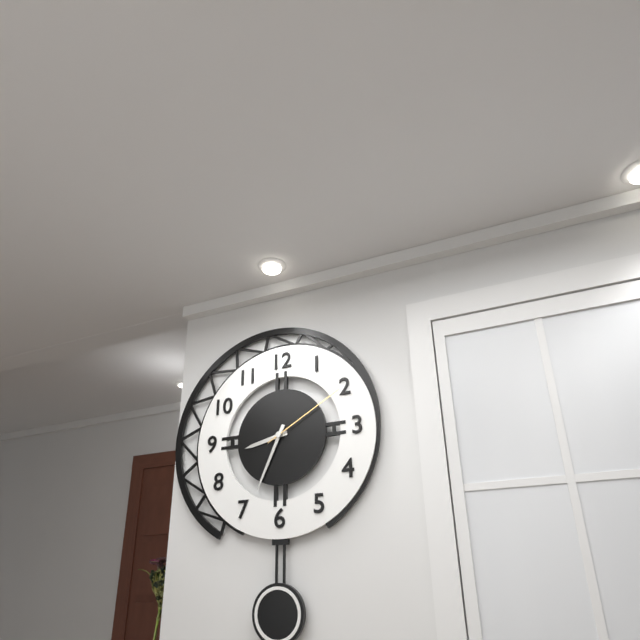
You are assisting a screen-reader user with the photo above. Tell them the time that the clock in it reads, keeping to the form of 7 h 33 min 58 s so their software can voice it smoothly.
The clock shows 8 h 34 min 10 s
